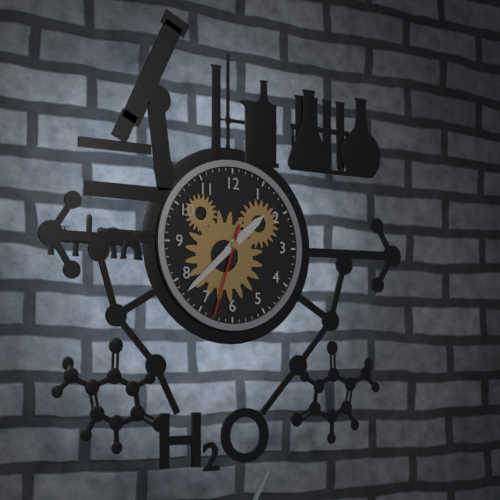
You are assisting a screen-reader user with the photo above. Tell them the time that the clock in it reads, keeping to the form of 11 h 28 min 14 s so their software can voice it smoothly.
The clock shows 1 h 38 min 33 s
